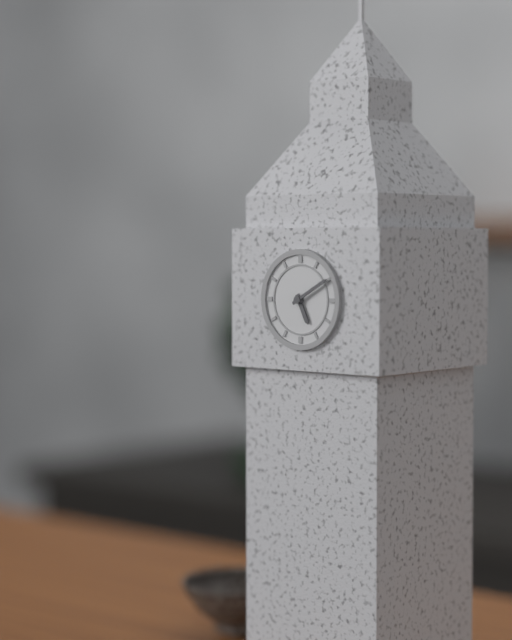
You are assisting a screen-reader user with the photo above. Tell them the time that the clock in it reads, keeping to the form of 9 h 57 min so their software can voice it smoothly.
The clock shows 5 h 10 min
